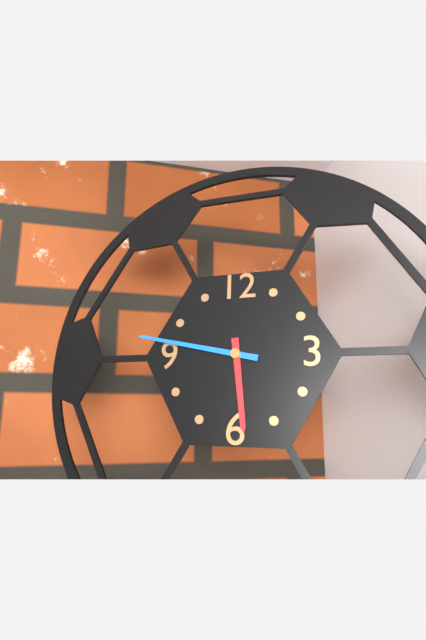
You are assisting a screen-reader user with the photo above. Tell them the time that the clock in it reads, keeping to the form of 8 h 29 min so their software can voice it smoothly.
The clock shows 5 h 47 min
